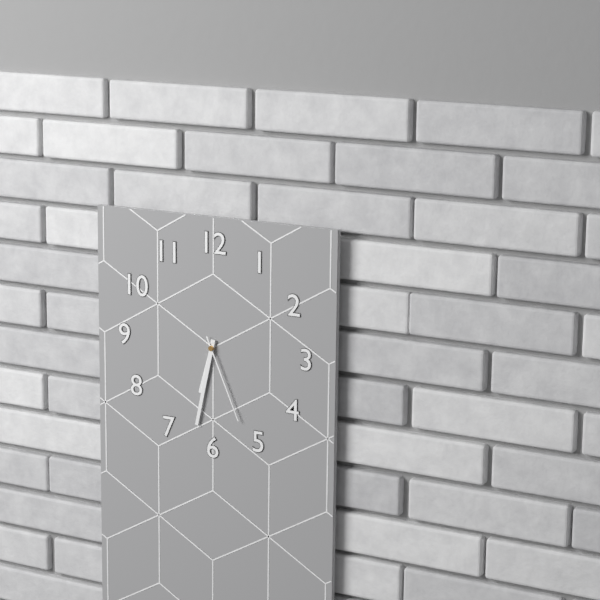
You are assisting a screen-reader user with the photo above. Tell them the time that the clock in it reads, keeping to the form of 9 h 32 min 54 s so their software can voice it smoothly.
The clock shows 6 h 32 min 26 s
